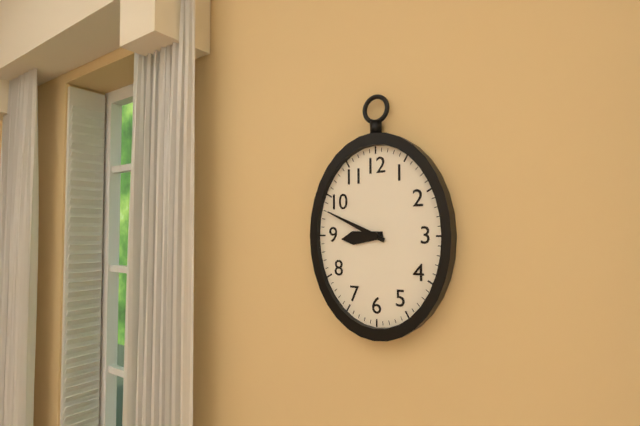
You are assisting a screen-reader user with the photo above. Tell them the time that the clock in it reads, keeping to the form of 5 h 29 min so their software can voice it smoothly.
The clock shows 8 h 49 min
